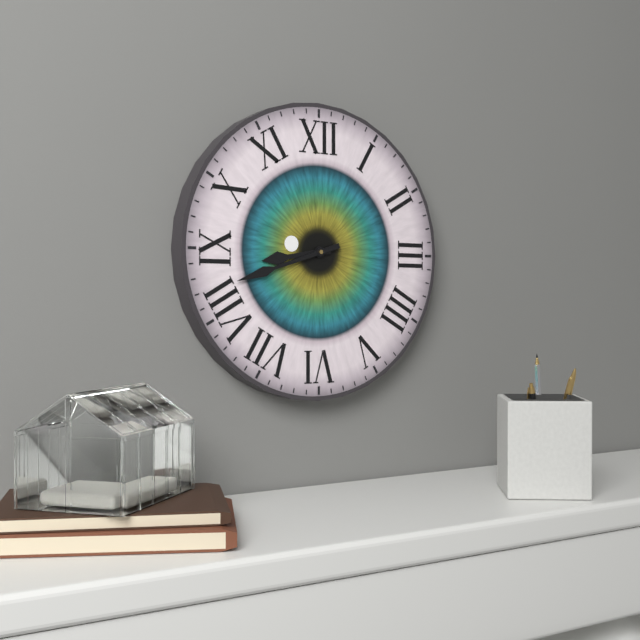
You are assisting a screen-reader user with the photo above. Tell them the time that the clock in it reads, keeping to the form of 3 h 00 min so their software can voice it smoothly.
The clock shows 8 h 42 min
